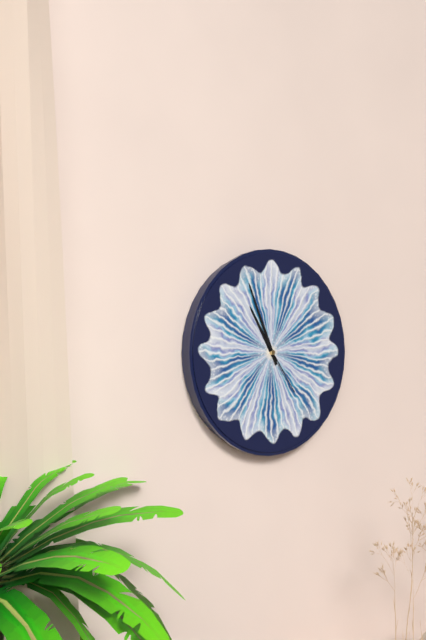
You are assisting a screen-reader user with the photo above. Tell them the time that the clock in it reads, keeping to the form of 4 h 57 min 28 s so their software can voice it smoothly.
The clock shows 10 h 56 min 24 s
